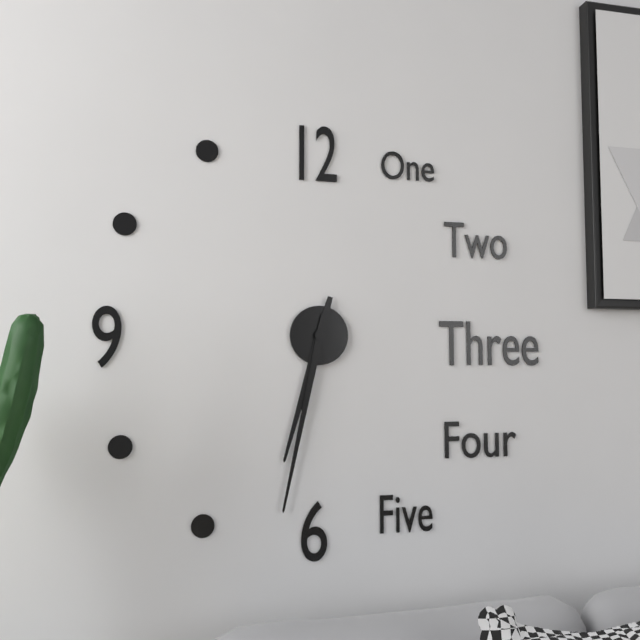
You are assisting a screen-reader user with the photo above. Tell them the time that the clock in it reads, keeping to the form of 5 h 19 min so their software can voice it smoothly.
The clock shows 6 h 32 min
